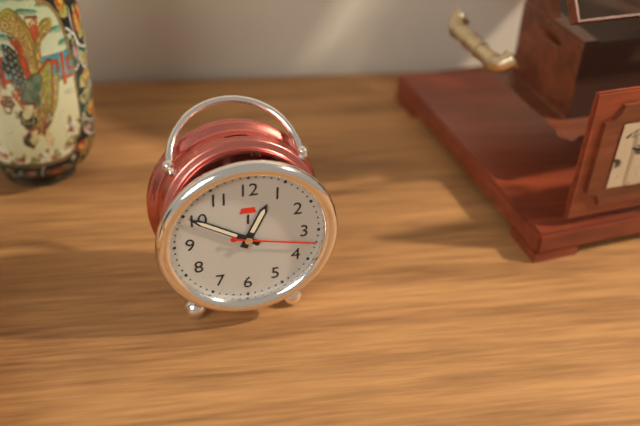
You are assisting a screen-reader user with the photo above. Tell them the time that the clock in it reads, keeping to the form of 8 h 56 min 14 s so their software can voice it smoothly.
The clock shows 12 h 50 min 17 s
